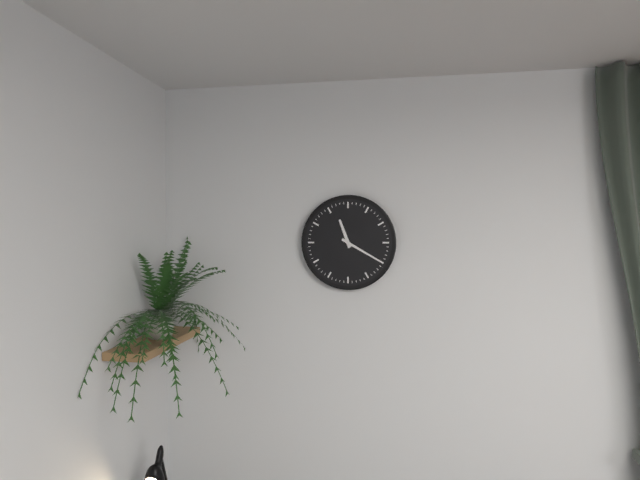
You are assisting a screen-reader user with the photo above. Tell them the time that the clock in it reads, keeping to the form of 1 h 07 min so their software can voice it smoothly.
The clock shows 11 h 20 min
